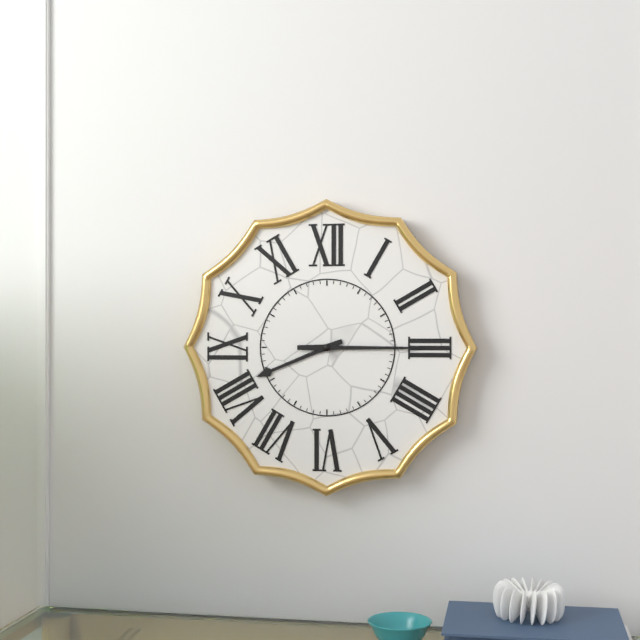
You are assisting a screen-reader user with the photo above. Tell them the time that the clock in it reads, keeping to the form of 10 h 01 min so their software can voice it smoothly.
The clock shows 8 h 15 min
